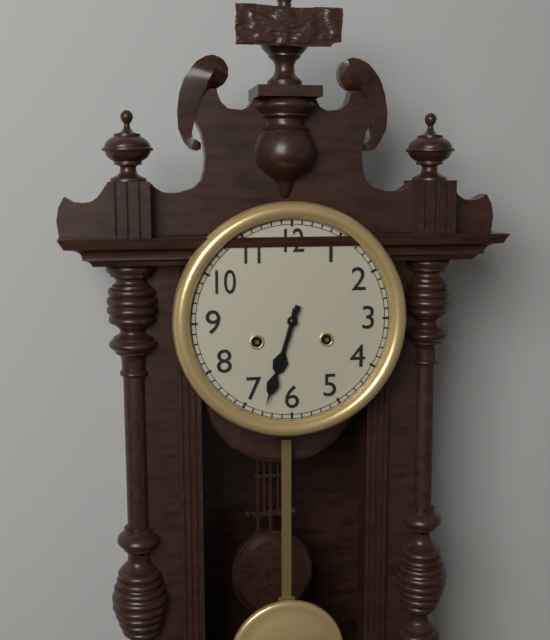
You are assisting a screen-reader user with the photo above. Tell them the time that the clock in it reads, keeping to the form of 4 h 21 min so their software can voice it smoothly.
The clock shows 6 h 33 min
